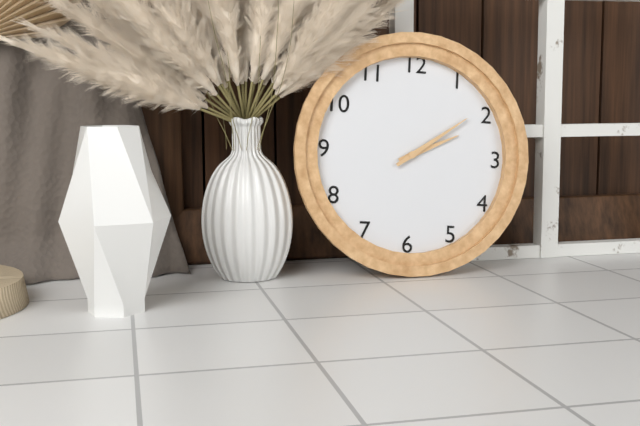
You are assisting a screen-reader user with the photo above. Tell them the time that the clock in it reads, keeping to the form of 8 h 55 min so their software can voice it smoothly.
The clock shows 2 h 09 min
